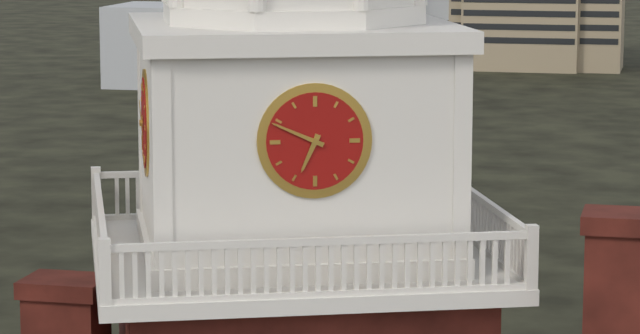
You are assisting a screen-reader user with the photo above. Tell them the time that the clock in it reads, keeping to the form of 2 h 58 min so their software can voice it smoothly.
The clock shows 6 h 49 min
